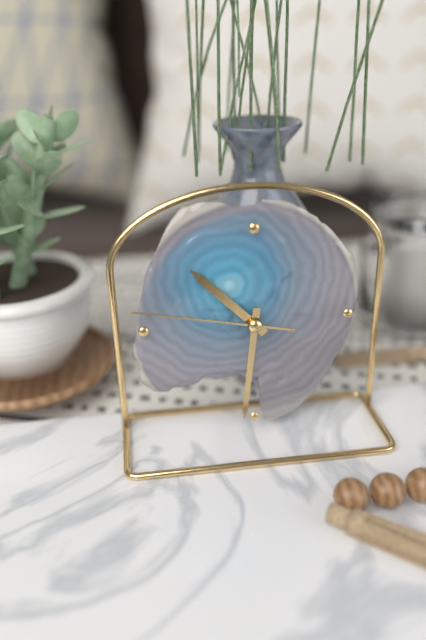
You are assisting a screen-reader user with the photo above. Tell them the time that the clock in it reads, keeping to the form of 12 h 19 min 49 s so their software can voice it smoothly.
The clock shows 10 h 31 min 47 s
